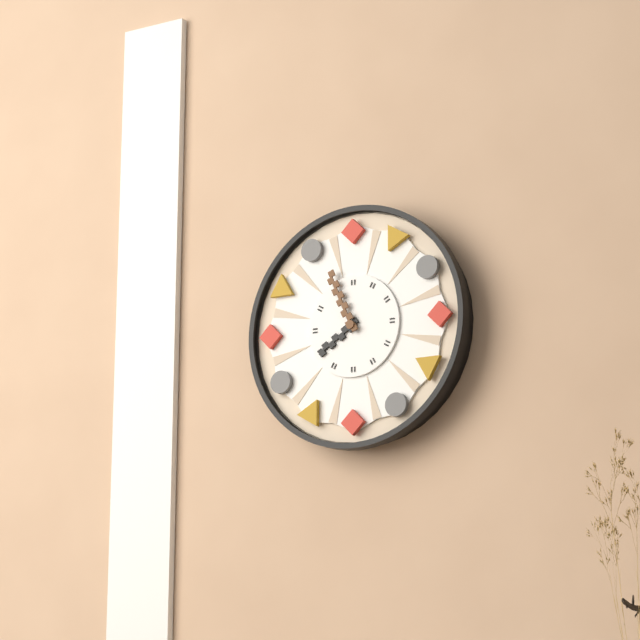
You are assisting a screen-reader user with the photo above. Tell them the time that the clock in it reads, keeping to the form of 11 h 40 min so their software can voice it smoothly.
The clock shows 7 h 56 min
